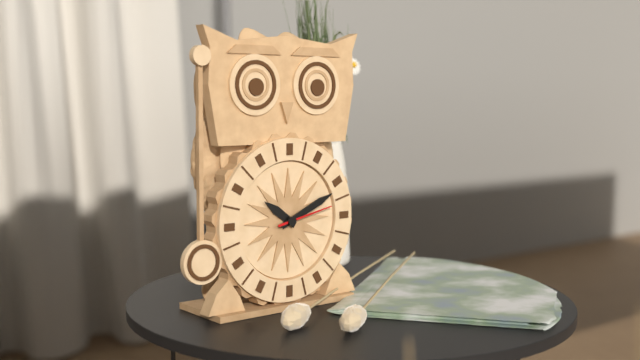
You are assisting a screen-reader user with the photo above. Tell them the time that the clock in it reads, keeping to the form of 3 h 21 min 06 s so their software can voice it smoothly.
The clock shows 10 h 11 min 13 s
